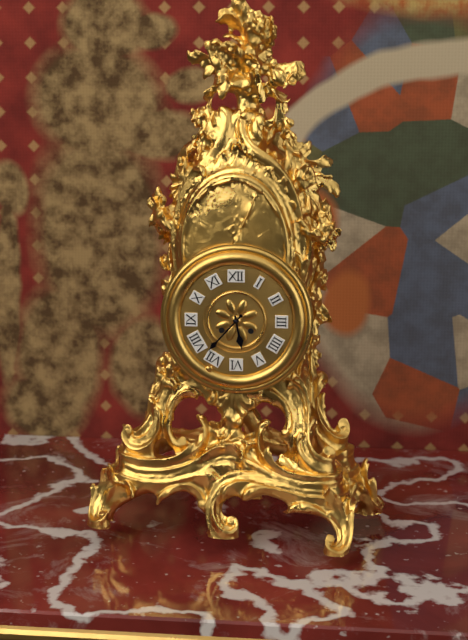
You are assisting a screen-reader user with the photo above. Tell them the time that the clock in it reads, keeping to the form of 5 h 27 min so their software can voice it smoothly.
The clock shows 5 h 37 min
